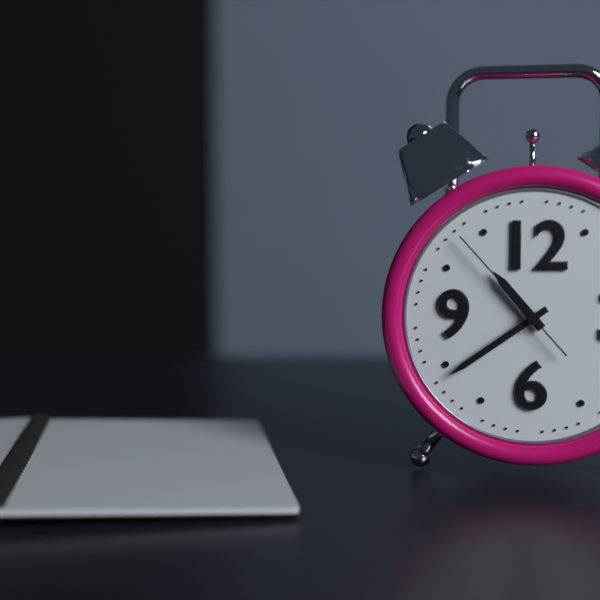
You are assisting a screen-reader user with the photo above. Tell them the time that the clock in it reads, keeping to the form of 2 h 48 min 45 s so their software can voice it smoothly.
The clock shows 10 h 39 min 53 s
